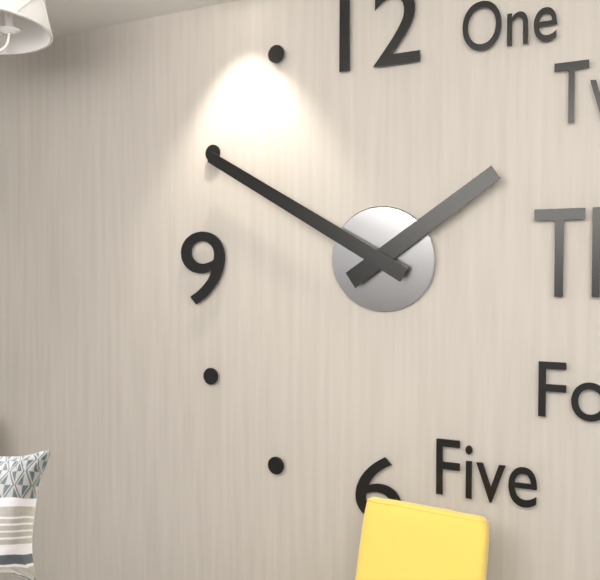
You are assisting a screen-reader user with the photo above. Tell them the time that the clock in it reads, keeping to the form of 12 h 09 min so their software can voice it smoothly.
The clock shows 1 h 50 min
